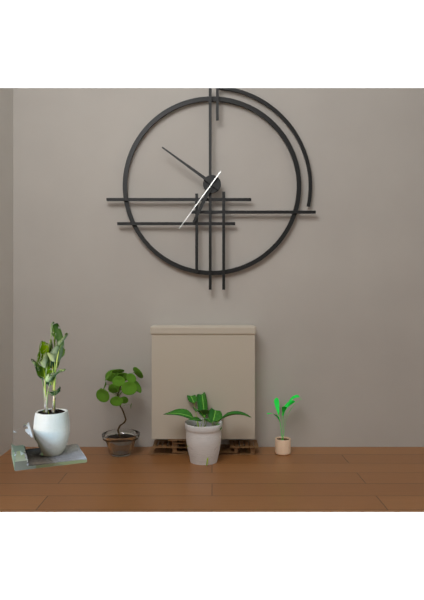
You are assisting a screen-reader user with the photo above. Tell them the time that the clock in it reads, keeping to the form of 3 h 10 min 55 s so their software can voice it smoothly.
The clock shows 6 h 51 min 36 s
